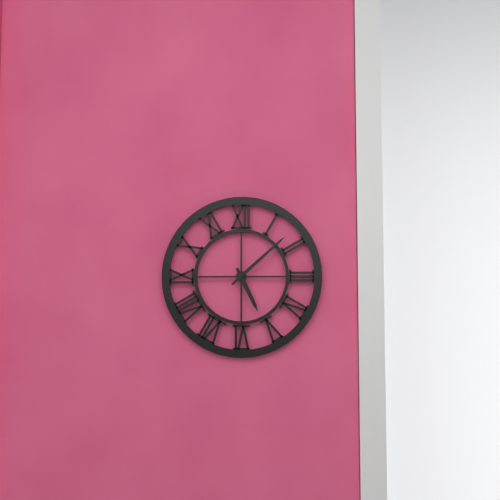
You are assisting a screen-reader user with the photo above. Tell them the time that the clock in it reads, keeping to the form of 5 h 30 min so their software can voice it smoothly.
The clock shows 5 h 08 min
